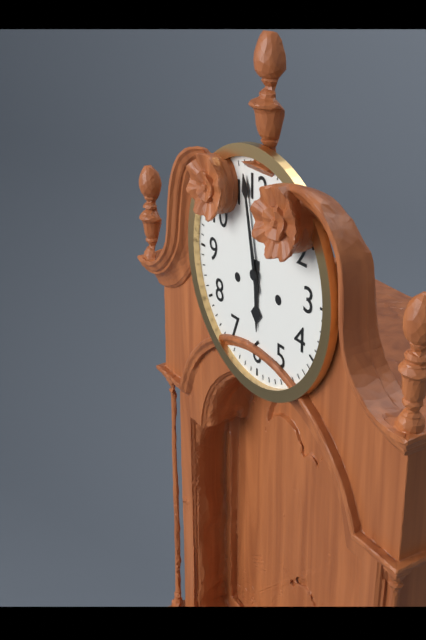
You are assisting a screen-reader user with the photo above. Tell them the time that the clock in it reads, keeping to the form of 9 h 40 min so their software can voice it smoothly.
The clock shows 5 h 58 min
